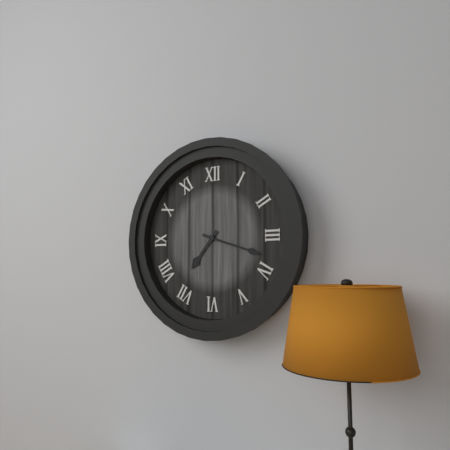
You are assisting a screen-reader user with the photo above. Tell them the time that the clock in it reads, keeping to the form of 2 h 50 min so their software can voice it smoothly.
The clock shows 7 h 18 min
